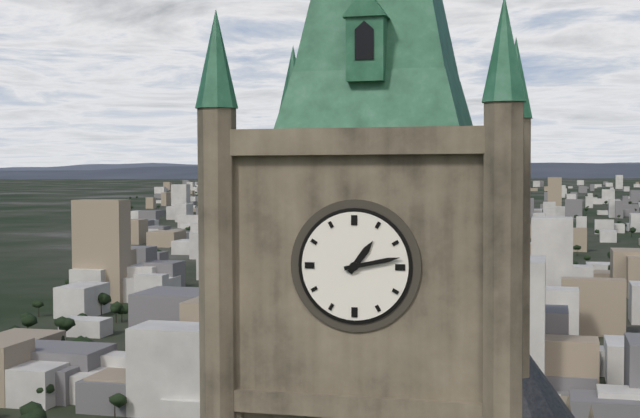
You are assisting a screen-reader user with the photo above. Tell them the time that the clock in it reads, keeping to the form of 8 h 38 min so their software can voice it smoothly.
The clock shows 1 h 13 min
